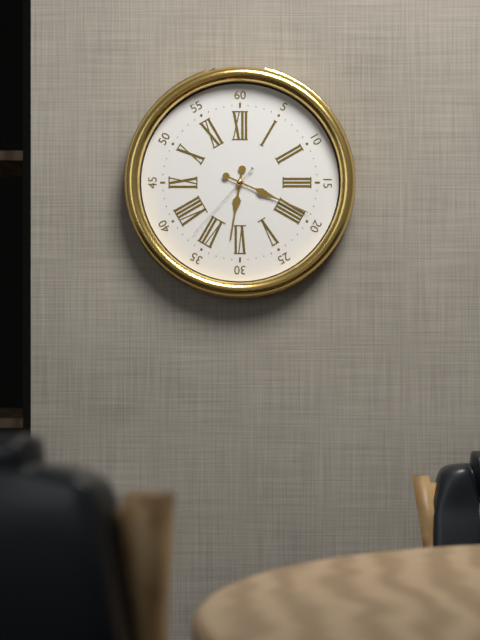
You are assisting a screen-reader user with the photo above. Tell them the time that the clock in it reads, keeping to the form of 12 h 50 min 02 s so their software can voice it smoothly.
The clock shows 6 h 19 min 37 s
